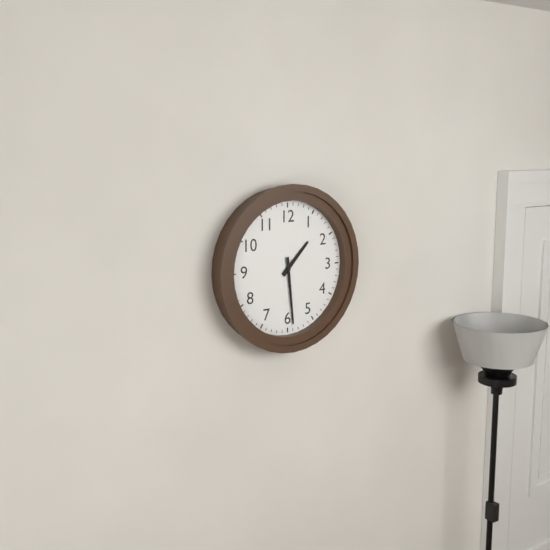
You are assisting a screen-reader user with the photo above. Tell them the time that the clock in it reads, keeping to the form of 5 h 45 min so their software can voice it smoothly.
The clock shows 1 h 29 min
